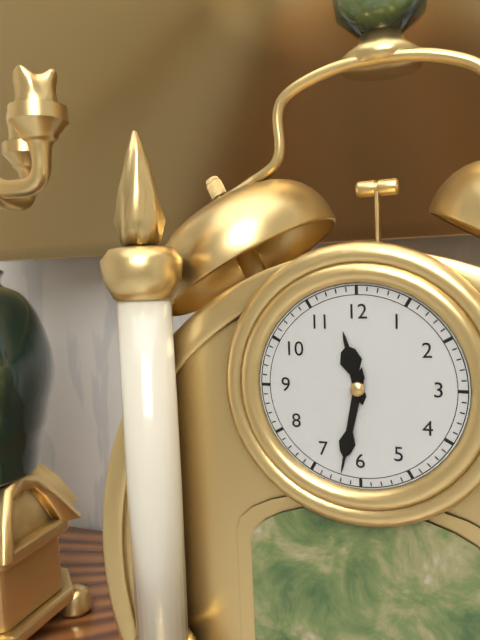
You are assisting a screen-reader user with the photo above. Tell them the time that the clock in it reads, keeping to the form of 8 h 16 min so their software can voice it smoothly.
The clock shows 11 h 32 min
